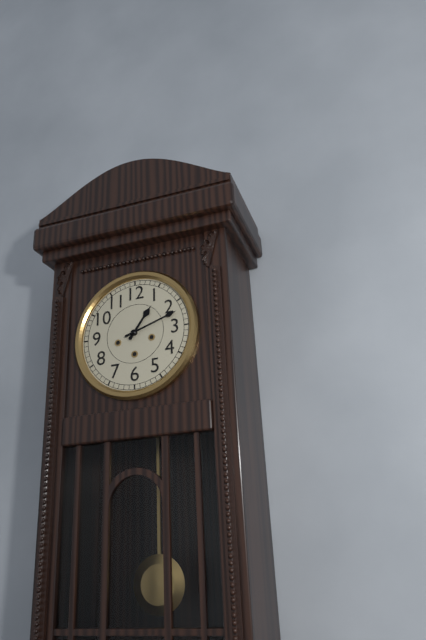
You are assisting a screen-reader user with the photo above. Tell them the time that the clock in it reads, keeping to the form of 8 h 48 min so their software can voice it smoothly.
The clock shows 1 h 12 min
